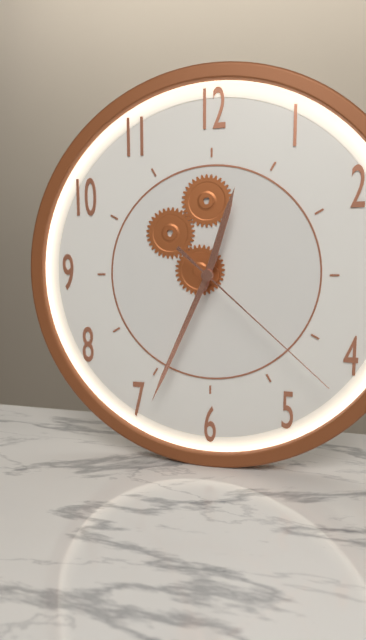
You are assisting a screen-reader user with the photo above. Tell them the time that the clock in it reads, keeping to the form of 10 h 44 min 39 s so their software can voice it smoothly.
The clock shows 12 h 34 min 22 s
